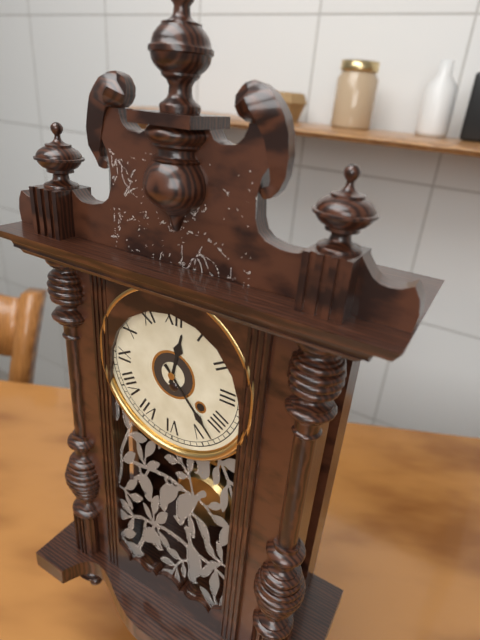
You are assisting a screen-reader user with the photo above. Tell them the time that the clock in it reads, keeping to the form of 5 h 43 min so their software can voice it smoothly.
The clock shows 12 h 23 min
